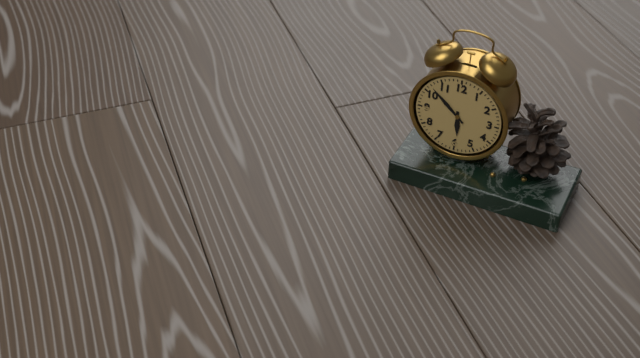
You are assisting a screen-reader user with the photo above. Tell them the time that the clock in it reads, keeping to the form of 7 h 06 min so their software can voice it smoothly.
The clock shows 5 h 52 min
